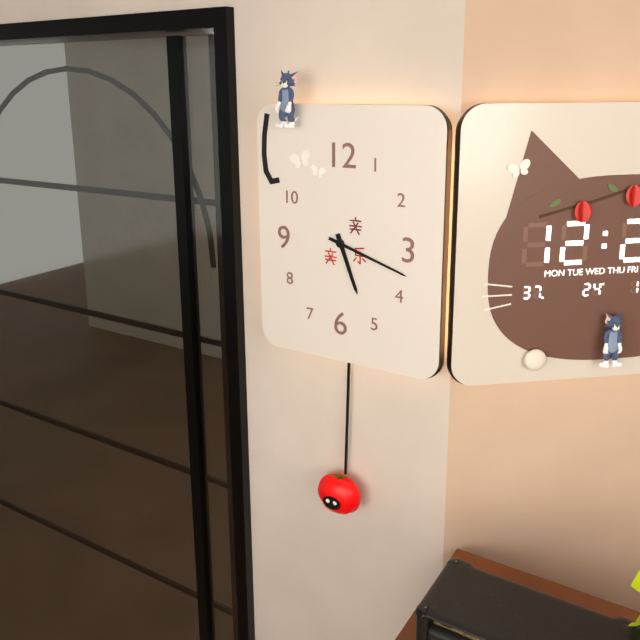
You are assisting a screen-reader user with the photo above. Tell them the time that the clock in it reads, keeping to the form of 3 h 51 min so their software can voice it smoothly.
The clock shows 5 h 18 min
